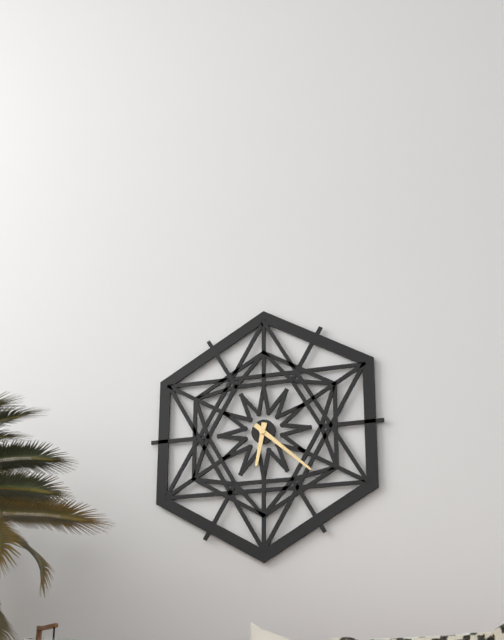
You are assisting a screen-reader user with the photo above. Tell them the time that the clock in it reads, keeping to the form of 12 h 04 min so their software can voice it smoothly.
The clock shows 6 h 22 min
